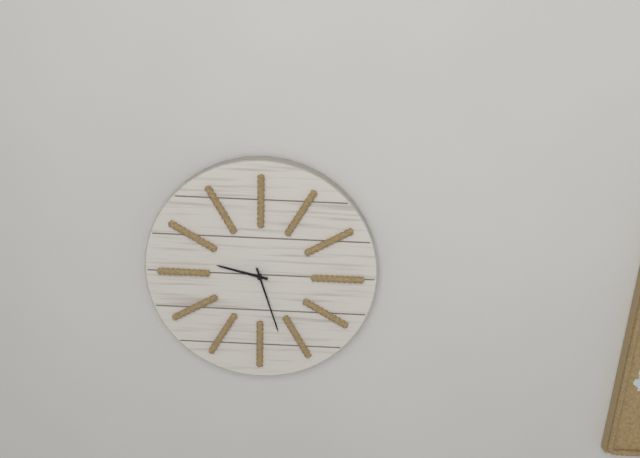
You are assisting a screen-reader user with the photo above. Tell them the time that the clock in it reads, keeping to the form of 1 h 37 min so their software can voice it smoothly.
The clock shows 9 h 27 min
